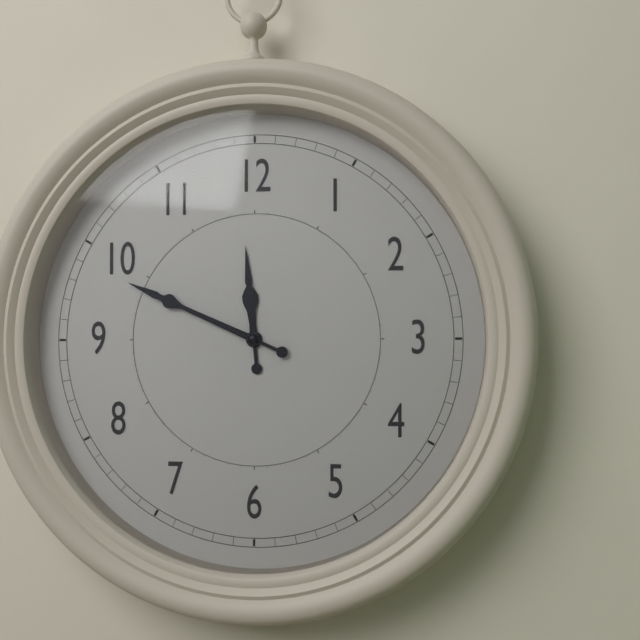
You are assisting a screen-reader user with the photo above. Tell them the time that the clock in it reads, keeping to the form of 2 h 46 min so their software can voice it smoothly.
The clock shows 11 h 49 min
